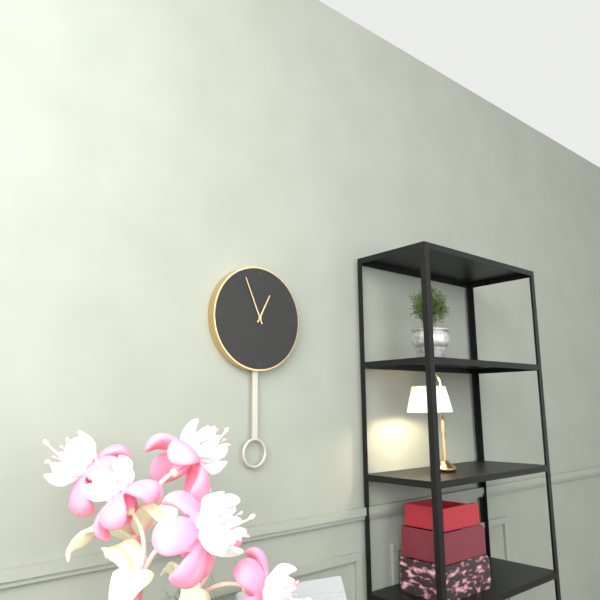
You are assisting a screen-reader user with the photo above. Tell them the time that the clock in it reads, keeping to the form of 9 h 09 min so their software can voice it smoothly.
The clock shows 12 h 56 min
